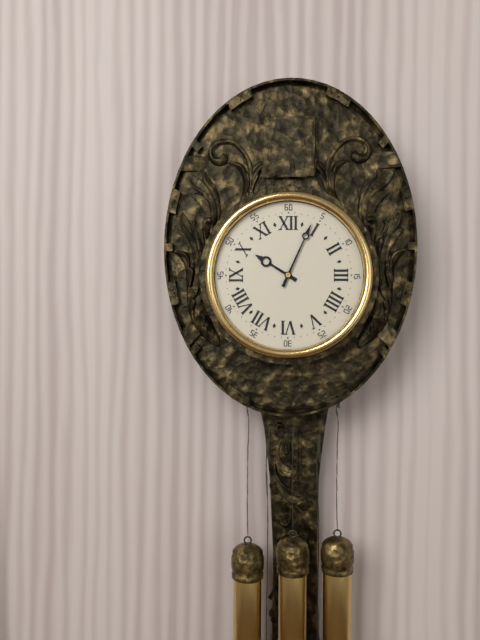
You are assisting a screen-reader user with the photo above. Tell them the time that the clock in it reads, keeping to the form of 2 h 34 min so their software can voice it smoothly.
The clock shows 10 h 04 min
